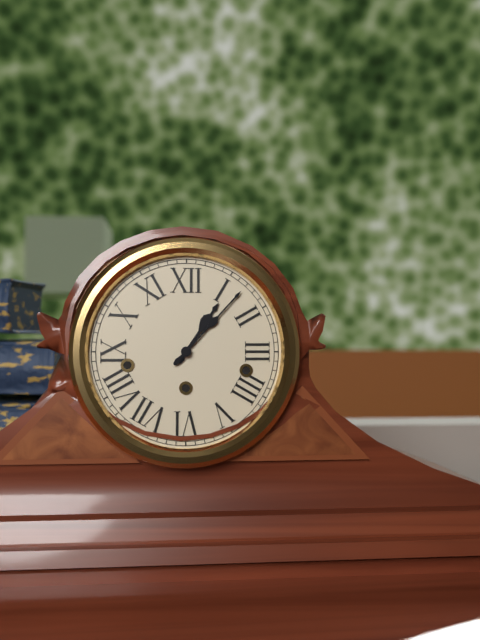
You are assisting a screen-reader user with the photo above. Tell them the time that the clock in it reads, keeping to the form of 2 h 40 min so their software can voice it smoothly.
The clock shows 1 h 07 min
